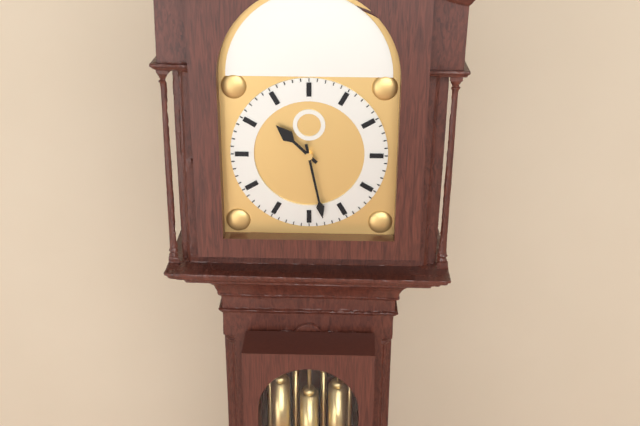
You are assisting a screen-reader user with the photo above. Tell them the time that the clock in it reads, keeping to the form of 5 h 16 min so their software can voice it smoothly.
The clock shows 10 h 28 min
